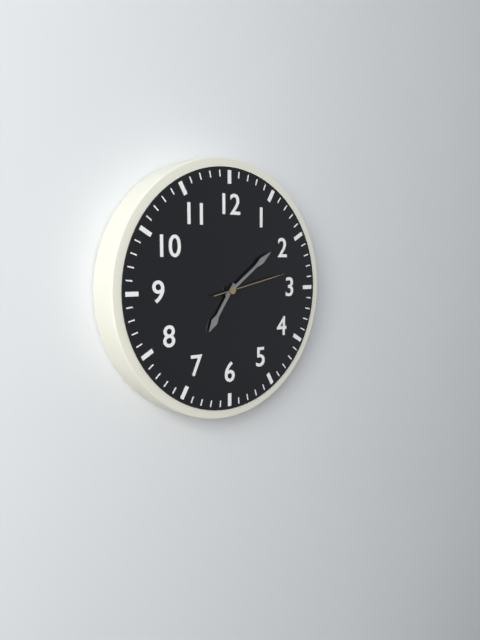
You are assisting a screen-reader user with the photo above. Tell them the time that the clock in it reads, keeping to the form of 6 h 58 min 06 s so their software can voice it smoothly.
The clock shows 7 h 09 min 13 s
